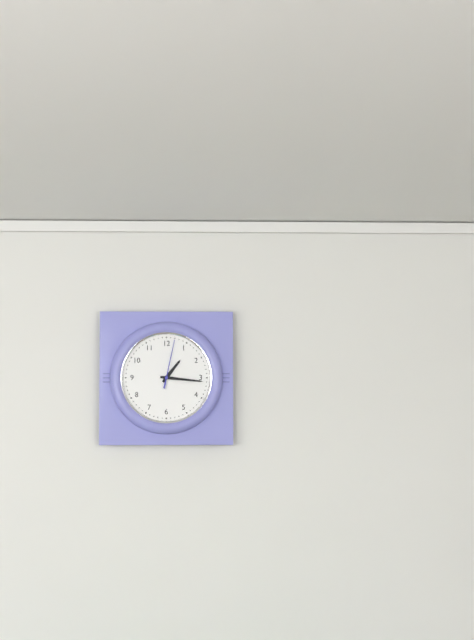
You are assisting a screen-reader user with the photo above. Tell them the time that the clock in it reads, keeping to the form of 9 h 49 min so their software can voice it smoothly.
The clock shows 1 h 16 min
